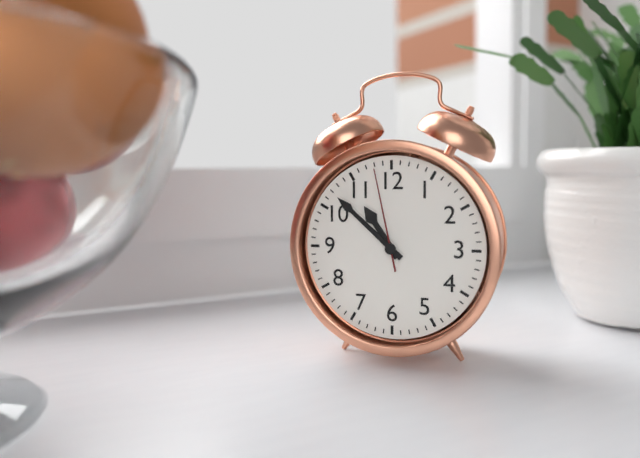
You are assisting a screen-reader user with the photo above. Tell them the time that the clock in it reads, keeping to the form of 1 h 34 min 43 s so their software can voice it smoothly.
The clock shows 10 h 52 min 58 s
